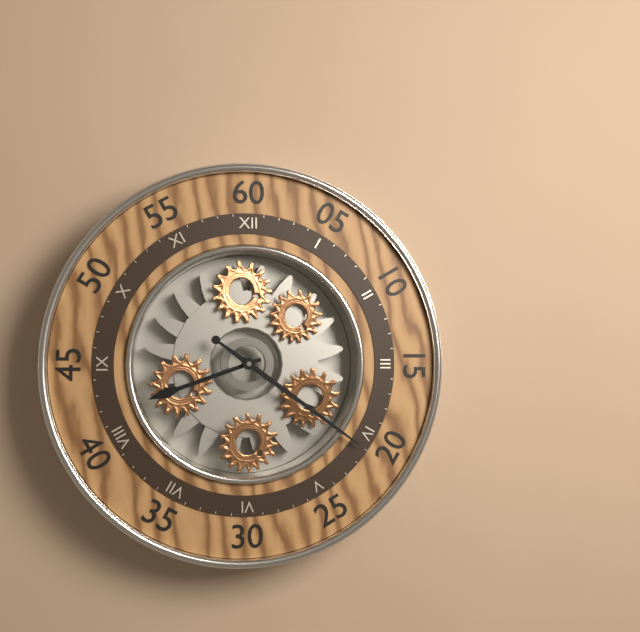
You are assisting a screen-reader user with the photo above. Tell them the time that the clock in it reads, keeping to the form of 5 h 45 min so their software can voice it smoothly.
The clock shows 8 h 21 min
